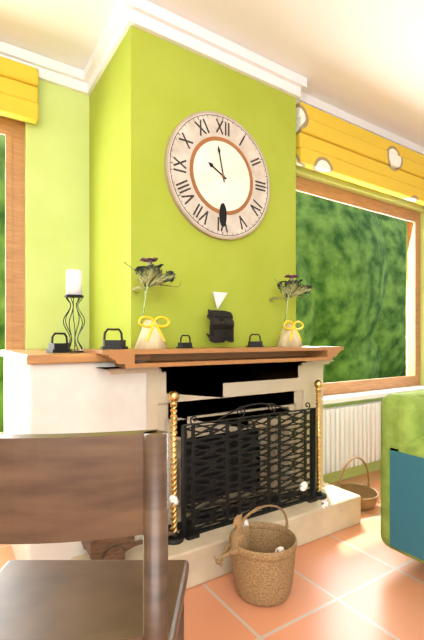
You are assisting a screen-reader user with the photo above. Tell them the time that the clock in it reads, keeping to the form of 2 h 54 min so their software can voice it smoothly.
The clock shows 9 h 58 min
